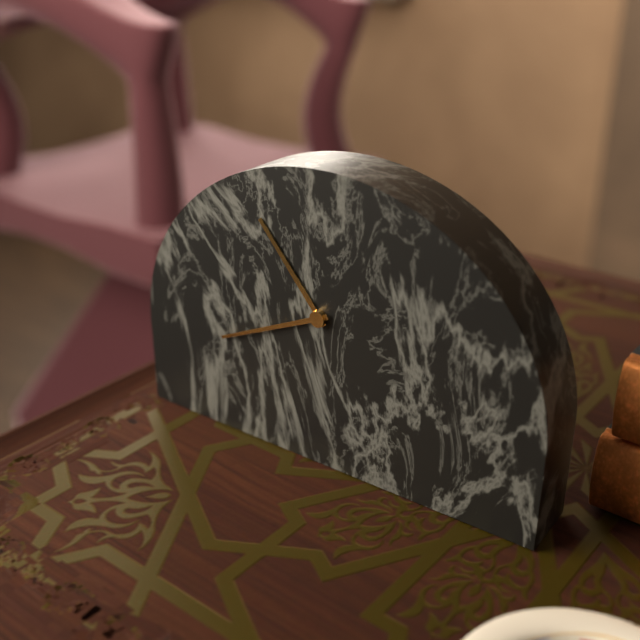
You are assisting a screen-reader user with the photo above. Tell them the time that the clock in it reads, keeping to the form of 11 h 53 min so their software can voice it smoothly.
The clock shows 10 h 41 min
